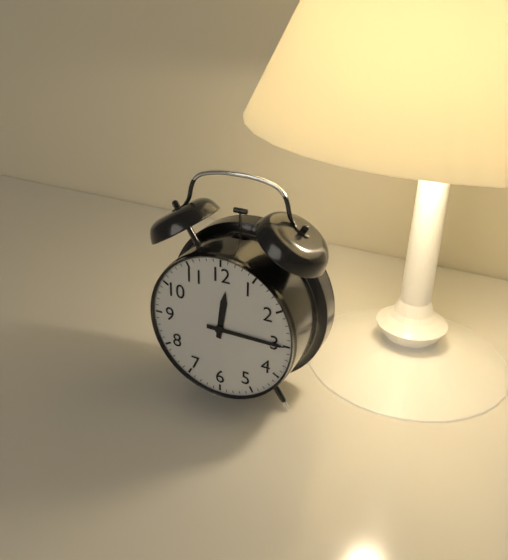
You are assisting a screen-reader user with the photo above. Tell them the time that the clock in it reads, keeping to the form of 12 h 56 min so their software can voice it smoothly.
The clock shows 12 h 15 min
